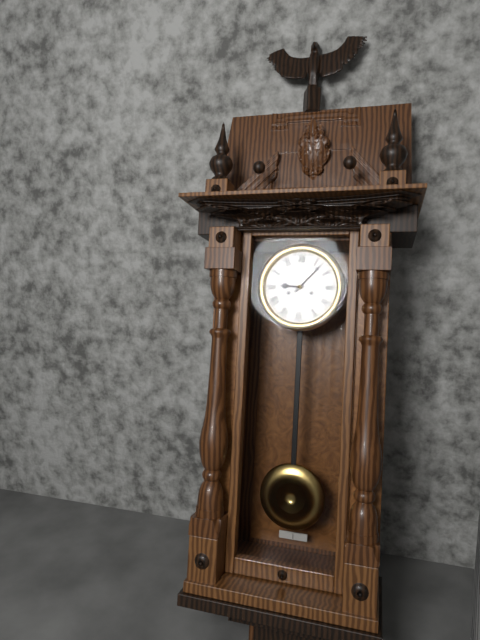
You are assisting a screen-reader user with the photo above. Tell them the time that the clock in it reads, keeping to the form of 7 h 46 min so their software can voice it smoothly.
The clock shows 9 h 07 min
